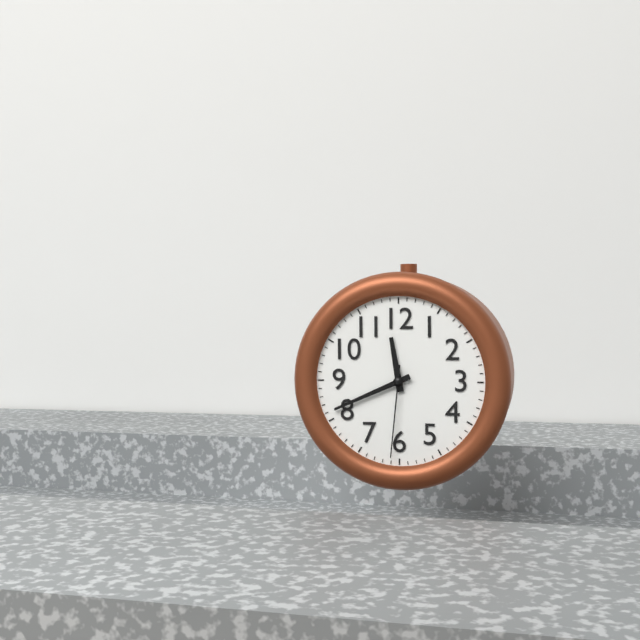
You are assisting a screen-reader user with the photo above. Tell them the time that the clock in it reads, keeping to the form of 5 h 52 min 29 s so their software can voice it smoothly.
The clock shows 11 h 41 min 31 s
